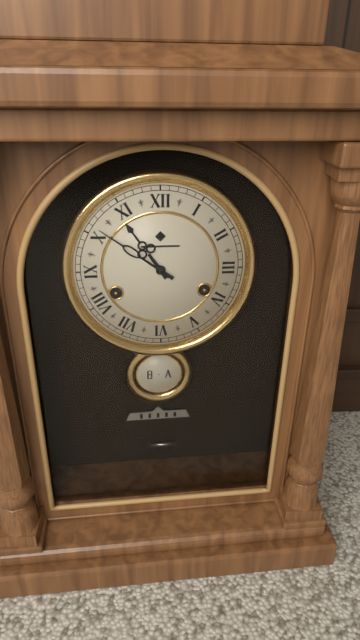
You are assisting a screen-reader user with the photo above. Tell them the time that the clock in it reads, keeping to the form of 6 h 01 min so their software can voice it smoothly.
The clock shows 10 h 51 min
